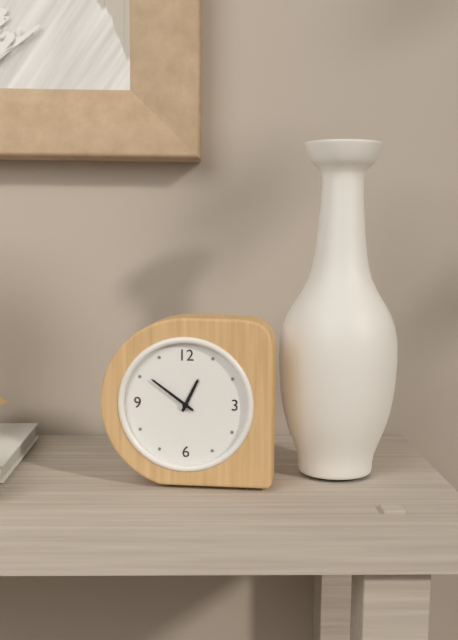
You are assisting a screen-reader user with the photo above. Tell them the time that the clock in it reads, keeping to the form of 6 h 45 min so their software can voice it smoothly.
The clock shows 12 h 51 min
